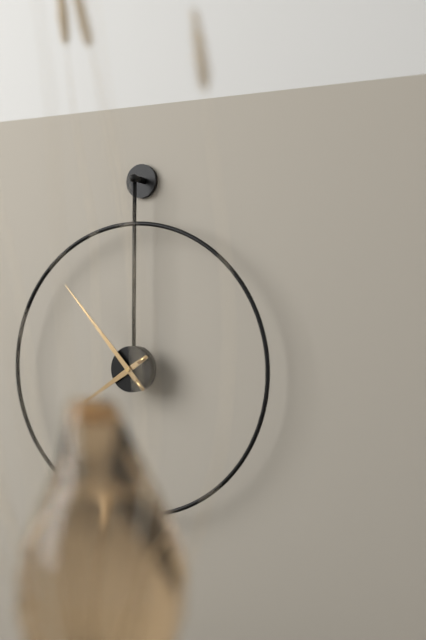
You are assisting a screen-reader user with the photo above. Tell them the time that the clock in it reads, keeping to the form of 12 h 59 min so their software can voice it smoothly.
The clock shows 7 h 53 min
